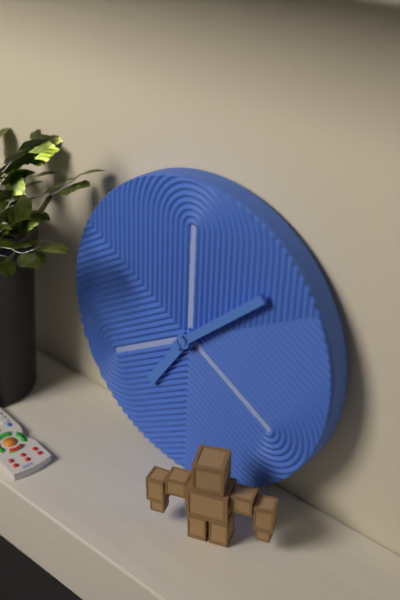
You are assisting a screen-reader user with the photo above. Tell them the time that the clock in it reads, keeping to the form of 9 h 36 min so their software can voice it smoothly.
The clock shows 7 h 08 min
